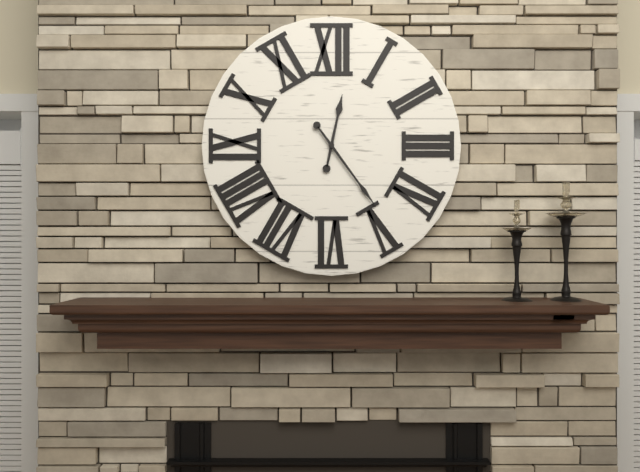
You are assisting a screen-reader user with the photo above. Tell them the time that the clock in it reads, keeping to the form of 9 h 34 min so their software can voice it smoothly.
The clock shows 12 h 24 min
